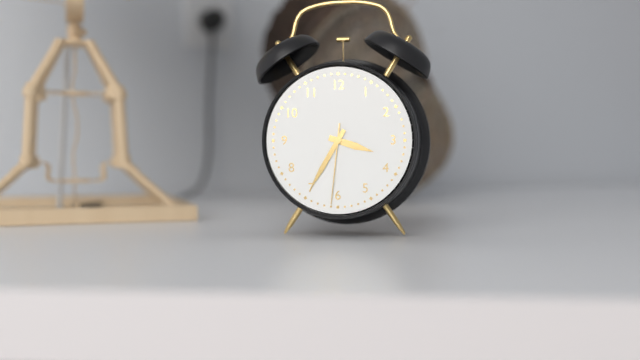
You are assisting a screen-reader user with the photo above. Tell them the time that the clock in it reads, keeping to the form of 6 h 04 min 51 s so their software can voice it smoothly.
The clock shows 3 h 35 min 31 s
